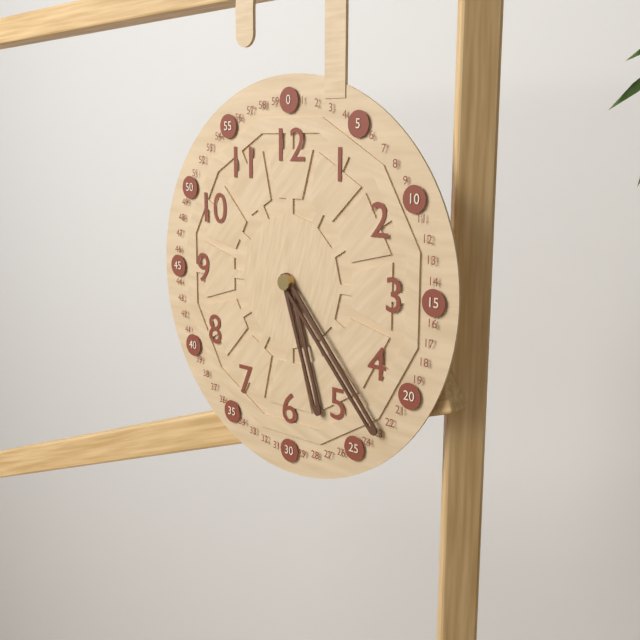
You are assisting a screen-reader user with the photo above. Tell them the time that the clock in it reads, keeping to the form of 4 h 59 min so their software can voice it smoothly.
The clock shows 5 h 23 min
